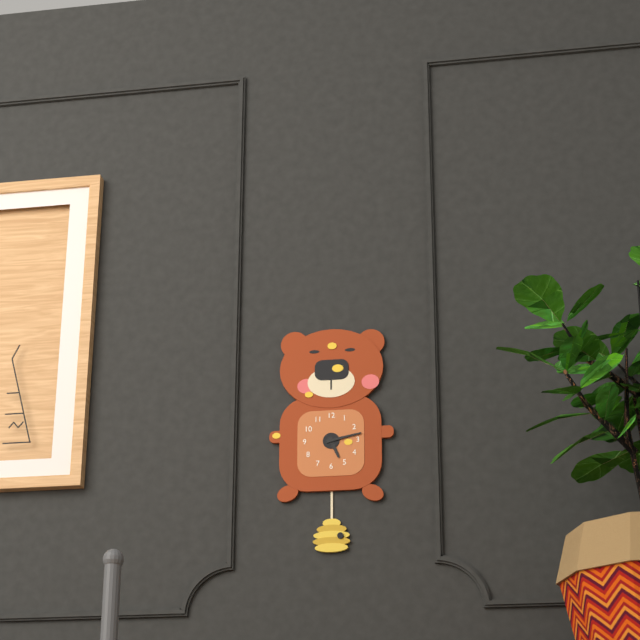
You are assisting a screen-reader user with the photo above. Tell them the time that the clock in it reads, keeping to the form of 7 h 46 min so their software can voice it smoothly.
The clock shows 5 h 13 min
